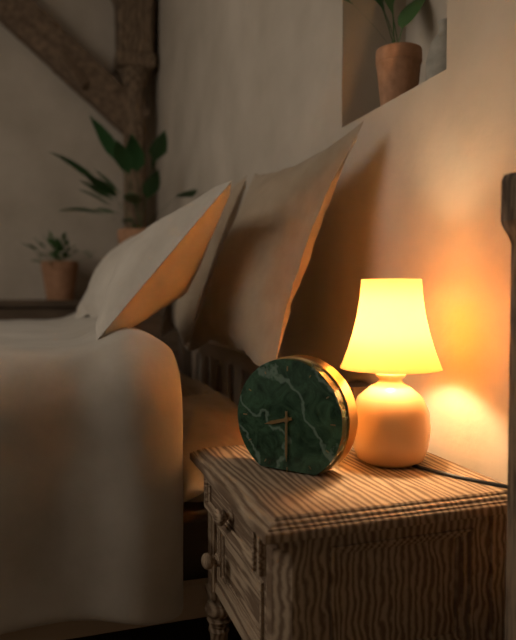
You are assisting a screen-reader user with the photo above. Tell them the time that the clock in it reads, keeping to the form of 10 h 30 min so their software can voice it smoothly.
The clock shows 8 h 30 min
